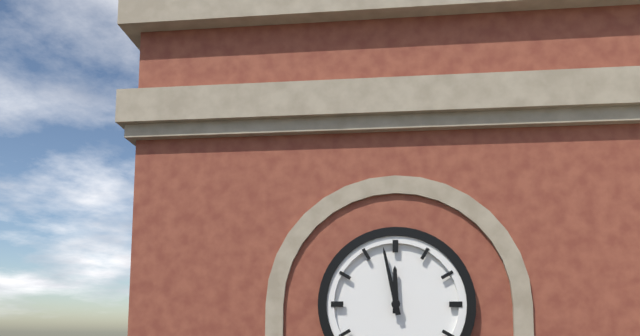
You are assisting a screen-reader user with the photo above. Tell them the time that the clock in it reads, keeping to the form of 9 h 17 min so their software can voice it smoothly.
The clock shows 11 h 58 min
